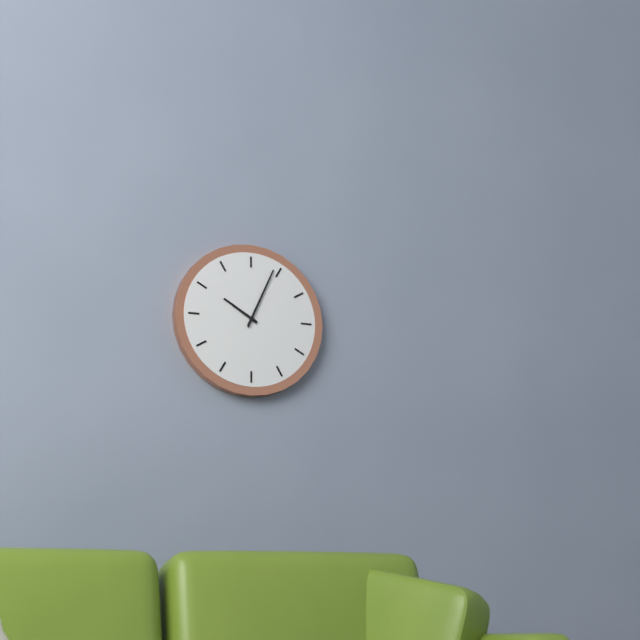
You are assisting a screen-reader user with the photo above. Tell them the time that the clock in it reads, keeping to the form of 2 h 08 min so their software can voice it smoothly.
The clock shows 10 h 04 min
